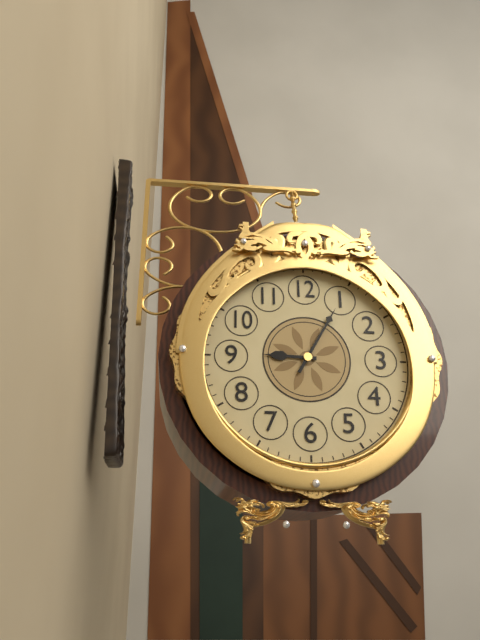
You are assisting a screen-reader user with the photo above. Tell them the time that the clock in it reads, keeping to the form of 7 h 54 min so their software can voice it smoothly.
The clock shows 9 h 05 min
